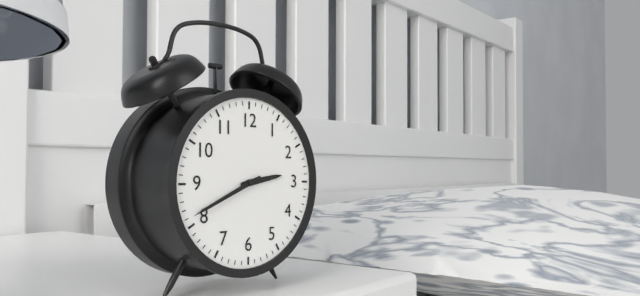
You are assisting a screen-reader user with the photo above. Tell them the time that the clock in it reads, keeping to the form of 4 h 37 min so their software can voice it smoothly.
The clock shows 2 h 41 min
